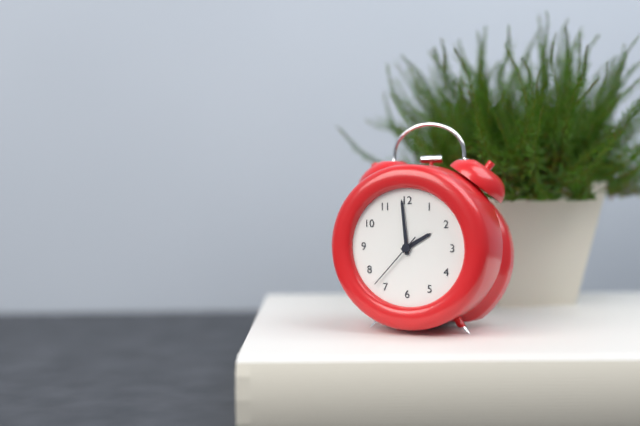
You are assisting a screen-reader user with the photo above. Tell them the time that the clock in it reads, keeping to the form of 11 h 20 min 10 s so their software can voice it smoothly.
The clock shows 1 h 59 min 37 s
